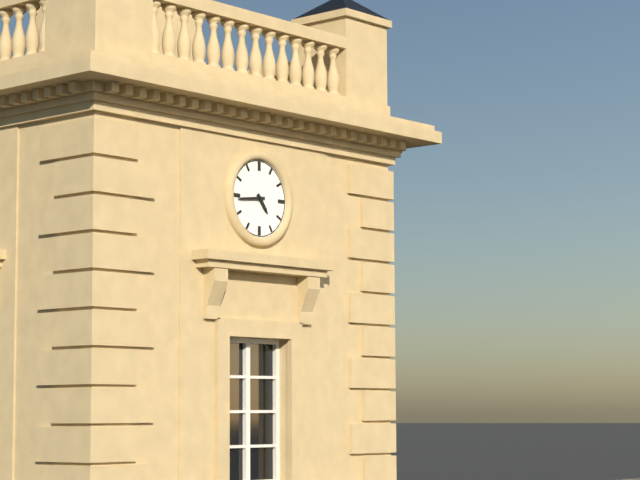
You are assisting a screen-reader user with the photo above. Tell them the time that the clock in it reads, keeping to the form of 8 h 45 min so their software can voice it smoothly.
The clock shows 4 h 44 min
